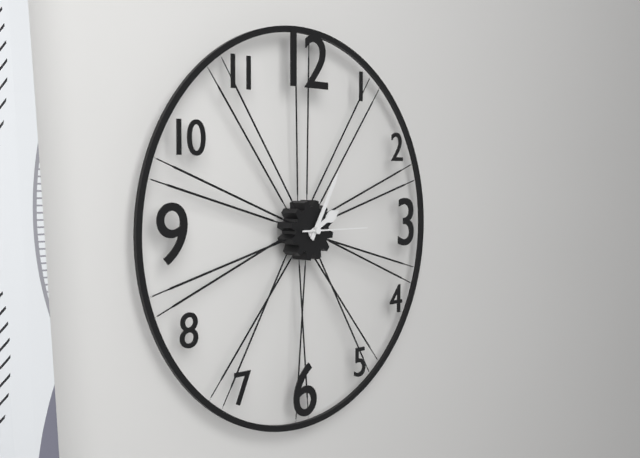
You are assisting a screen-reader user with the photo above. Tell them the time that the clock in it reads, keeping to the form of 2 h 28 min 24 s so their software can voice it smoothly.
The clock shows 2 h 05 min 15 s
